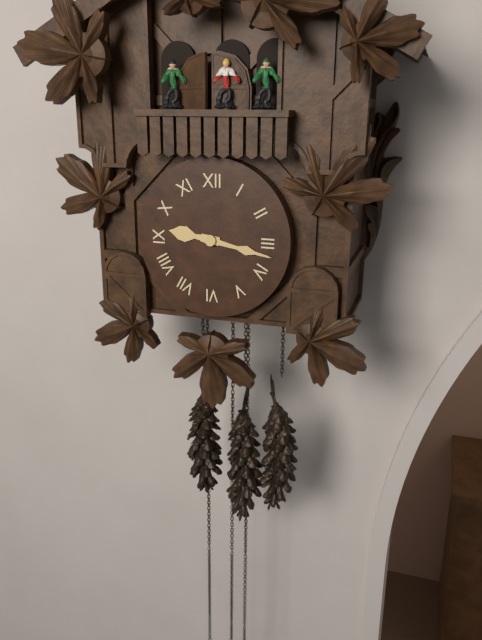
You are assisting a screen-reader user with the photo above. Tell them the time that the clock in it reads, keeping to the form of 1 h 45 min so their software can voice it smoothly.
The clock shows 9 h 17 min
